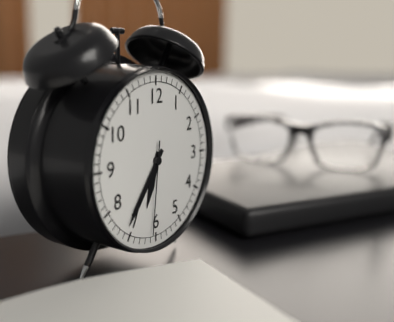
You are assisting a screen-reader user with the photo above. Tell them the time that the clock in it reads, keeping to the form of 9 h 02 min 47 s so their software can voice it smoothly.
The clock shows 6 h 36 min 31 s
